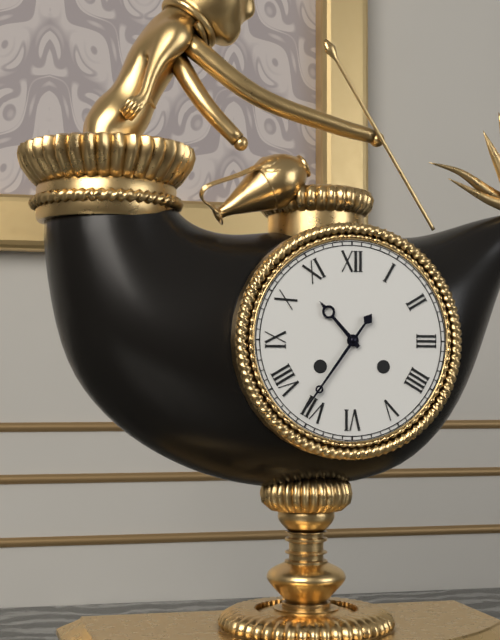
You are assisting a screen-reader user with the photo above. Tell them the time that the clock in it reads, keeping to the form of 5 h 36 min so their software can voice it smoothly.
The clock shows 10 h 36 min
